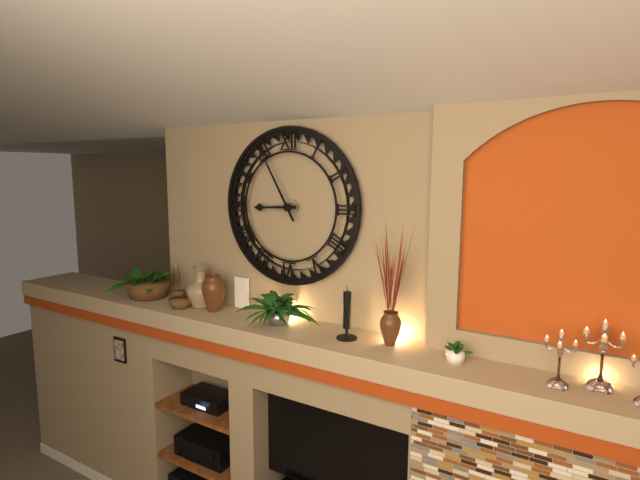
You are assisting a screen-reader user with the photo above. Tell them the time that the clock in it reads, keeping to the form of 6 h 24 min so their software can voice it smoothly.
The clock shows 8 h 55 min
